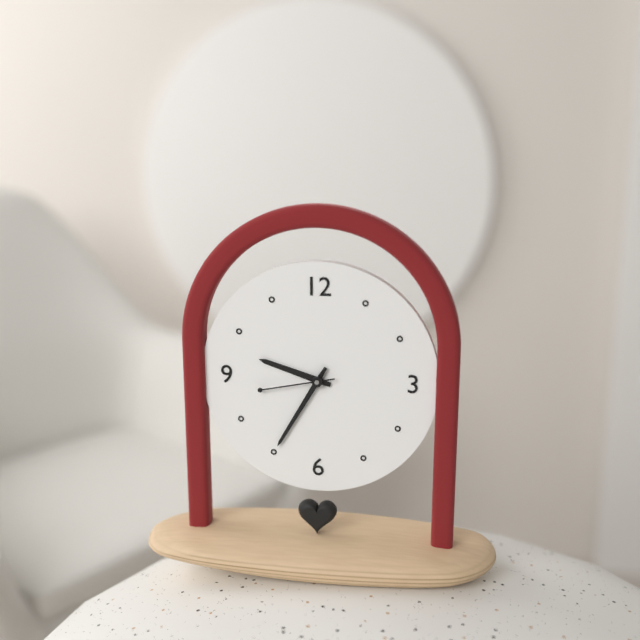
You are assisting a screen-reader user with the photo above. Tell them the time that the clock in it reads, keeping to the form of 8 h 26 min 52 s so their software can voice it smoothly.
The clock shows 9 h 35 min 43 s
